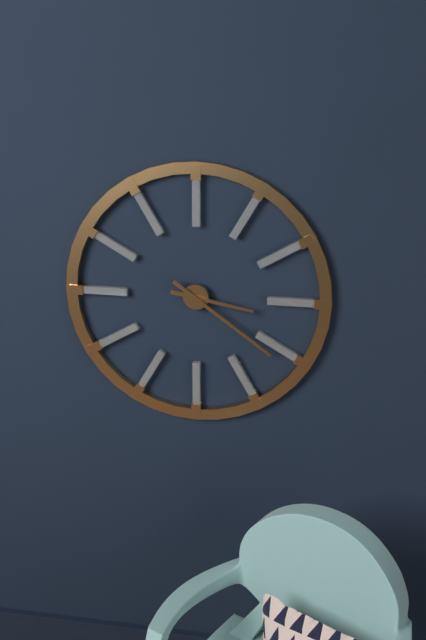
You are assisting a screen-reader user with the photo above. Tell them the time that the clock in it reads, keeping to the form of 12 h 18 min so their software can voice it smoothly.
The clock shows 3 h 21 min
